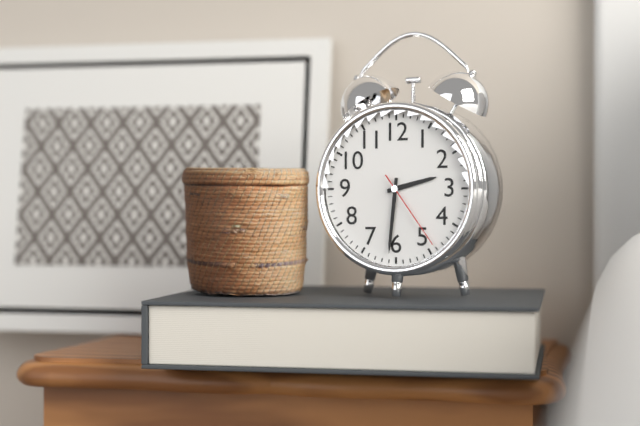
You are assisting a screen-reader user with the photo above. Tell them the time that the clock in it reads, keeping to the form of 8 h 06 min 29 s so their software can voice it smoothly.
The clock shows 2 h 31 min 24 s
